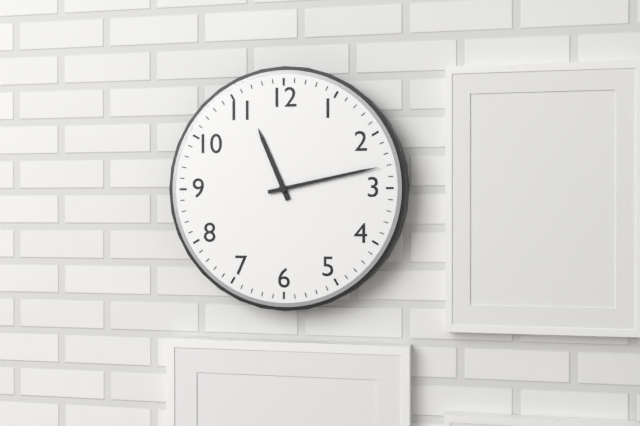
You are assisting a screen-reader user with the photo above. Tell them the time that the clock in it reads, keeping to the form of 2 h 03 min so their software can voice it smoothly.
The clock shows 11 h 13 min
